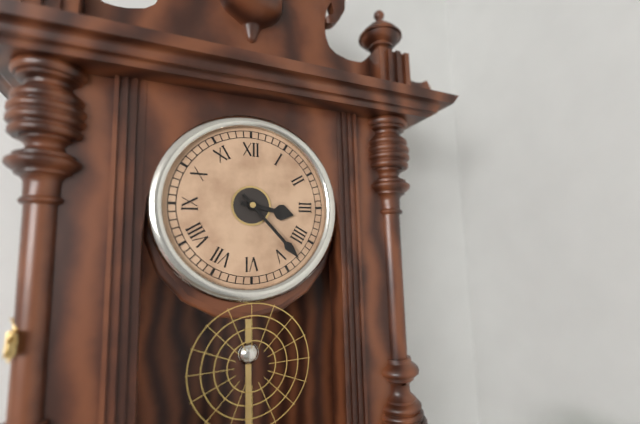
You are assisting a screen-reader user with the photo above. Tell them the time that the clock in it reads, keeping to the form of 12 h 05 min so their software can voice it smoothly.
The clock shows 3 h 23 min
